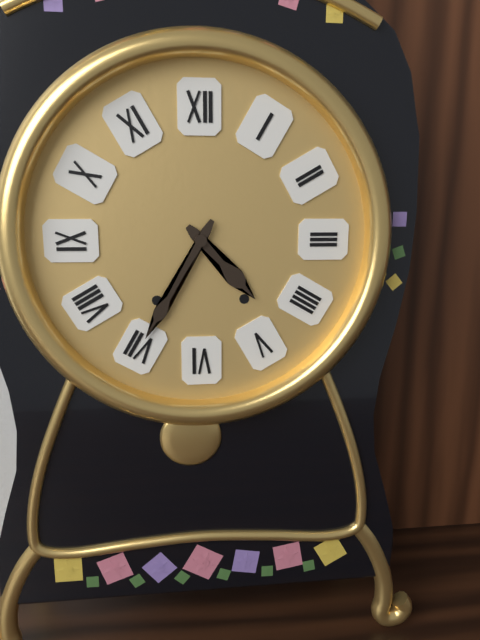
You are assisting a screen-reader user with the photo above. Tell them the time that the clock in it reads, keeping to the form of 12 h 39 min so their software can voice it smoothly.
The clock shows 4 h 35 min
